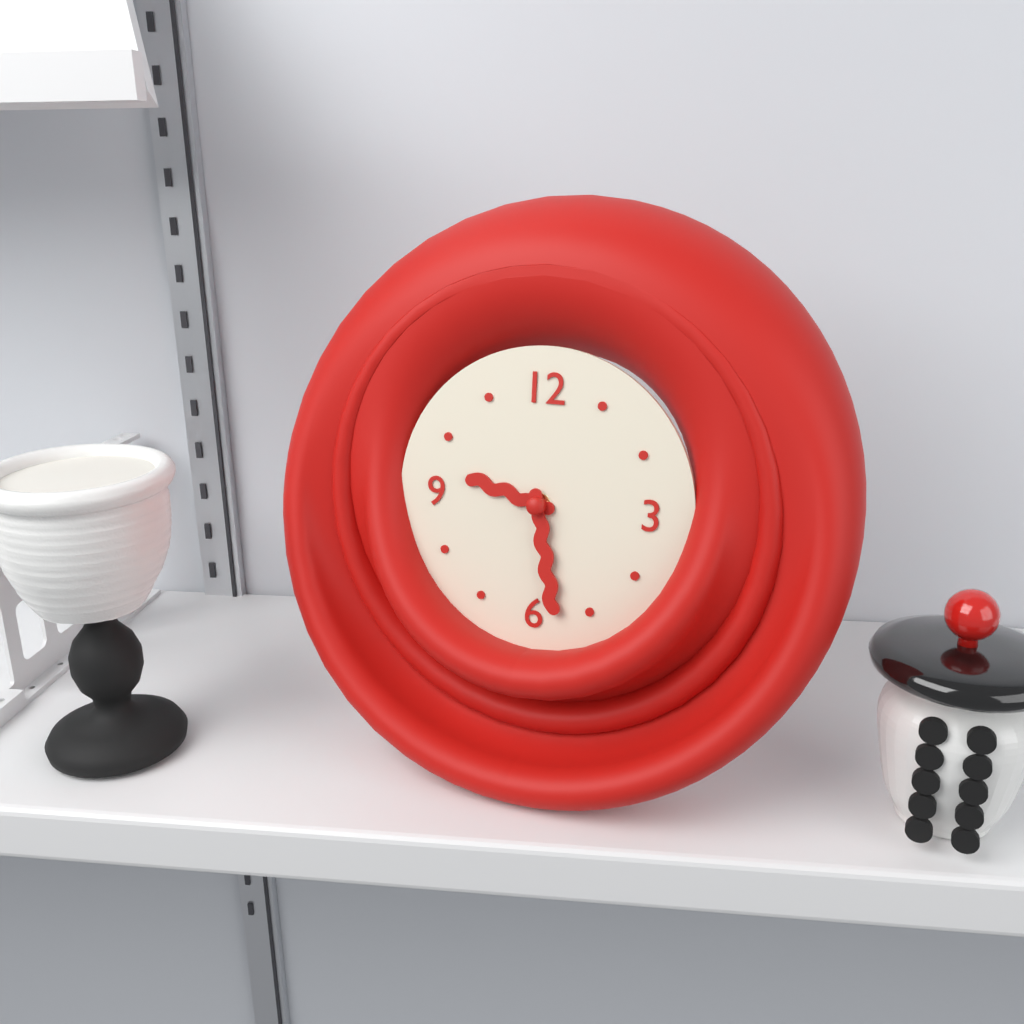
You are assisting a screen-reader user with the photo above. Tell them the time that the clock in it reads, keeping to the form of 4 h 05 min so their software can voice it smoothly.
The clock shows 9 h 28 min
